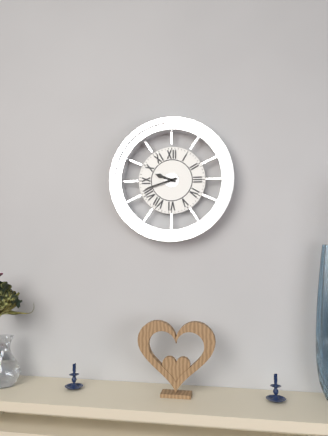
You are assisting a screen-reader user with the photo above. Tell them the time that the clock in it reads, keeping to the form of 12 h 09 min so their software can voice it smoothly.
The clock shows 9 h 42 min
